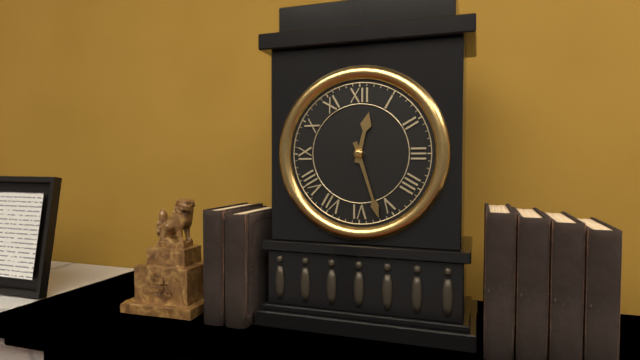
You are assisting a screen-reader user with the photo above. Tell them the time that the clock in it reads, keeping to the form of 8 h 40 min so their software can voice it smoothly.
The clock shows 12 h 27 min
